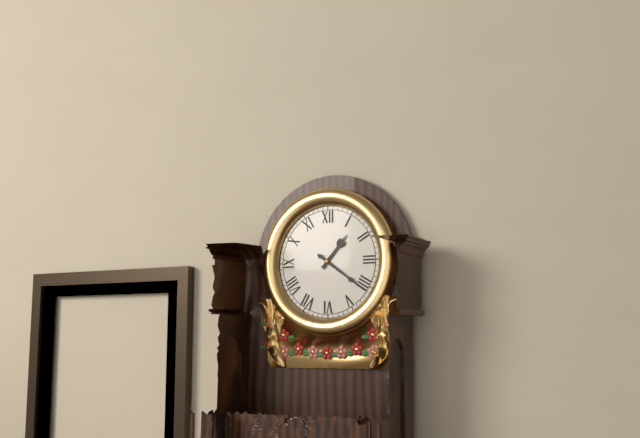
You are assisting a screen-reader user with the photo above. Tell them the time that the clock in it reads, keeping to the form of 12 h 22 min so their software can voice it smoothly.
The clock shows 1 h 21 min
